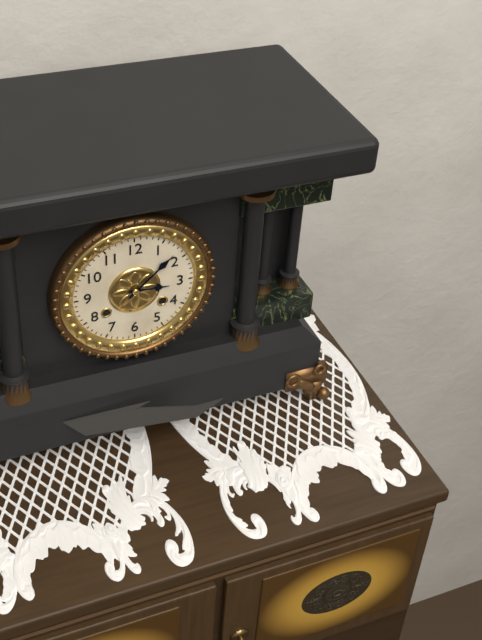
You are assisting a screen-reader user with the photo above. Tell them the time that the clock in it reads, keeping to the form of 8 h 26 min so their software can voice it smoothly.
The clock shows 3 h 08 min
